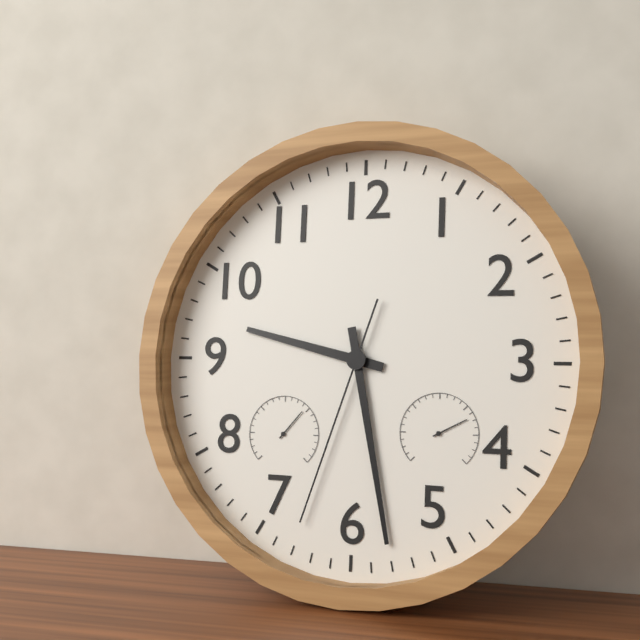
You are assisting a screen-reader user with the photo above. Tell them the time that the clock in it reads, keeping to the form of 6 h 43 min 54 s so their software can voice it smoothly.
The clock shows 9 h 28 min 33 s
